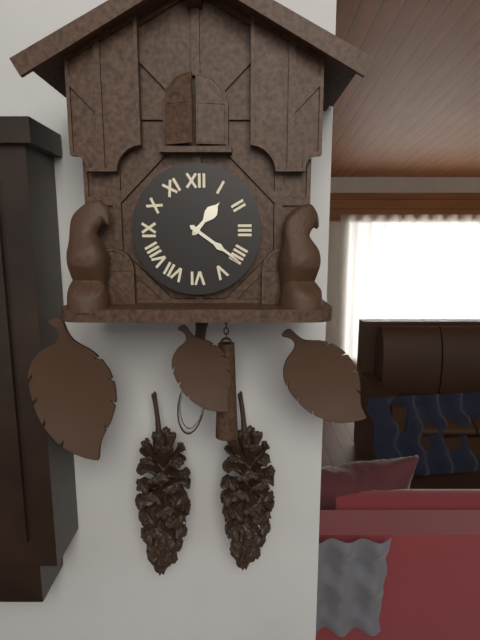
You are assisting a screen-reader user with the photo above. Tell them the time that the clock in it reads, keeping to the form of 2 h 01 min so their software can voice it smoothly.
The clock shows 1 h 21 min
